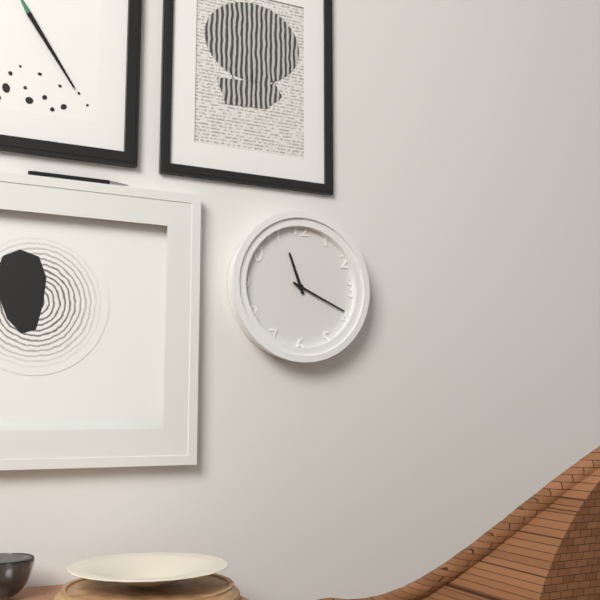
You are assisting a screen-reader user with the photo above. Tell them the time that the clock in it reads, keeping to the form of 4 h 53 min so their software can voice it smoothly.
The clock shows 11 h 19 min
